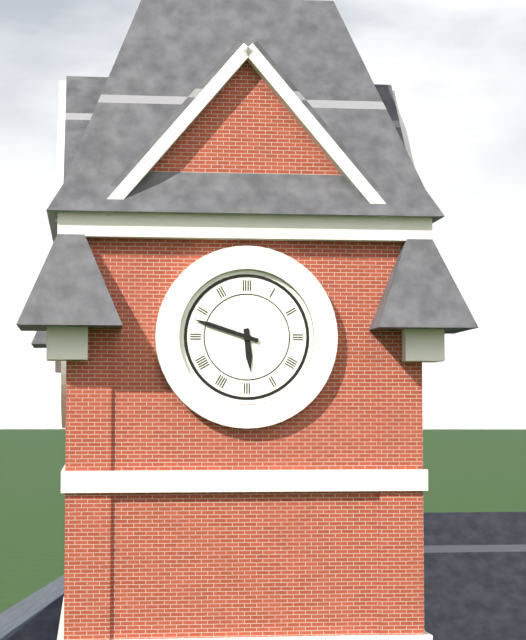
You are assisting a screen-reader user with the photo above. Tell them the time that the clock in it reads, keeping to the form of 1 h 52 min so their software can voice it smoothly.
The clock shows 5 h 48 min
